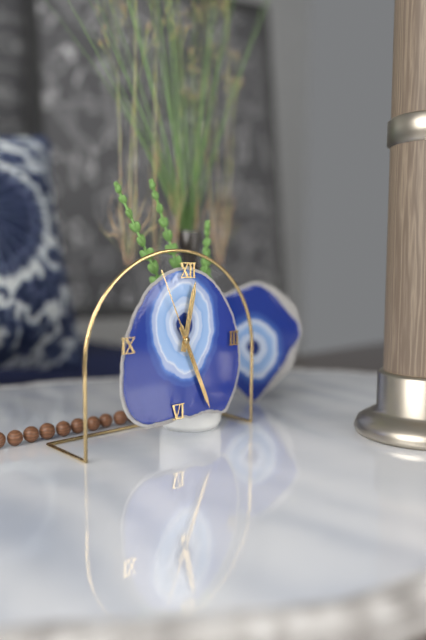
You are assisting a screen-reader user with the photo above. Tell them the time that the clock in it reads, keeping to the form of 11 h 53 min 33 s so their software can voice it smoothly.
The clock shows 12 h 26 min 56 s
